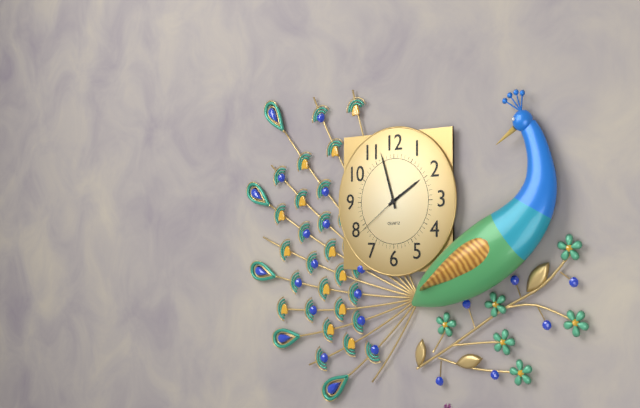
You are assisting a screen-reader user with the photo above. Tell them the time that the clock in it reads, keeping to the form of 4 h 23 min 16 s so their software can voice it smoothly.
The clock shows 1 h 57 min 39 s
